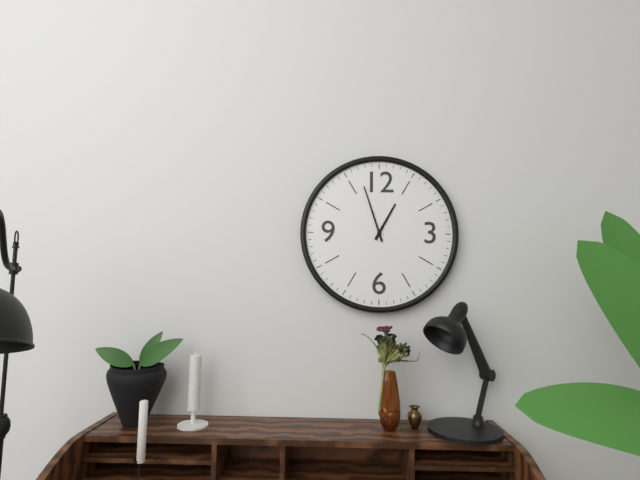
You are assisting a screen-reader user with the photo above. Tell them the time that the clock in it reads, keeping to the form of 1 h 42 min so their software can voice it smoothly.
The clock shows 12 h 57 min
